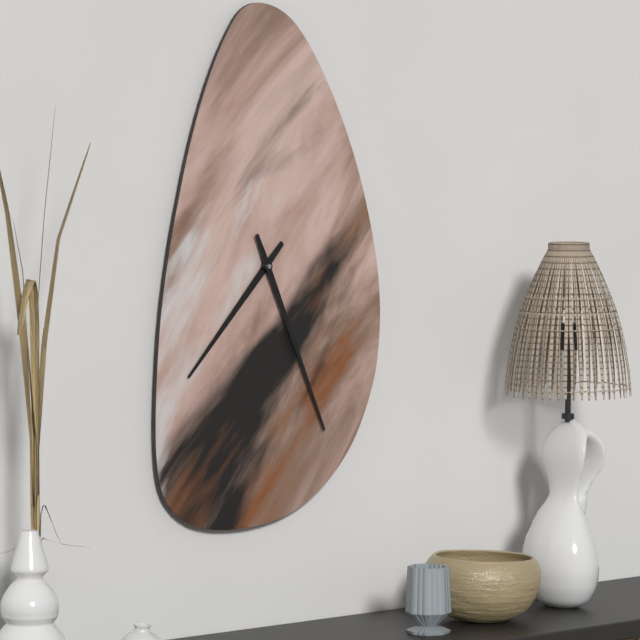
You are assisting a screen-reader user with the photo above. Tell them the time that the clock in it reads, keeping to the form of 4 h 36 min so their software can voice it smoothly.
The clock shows 7 h 26 min
